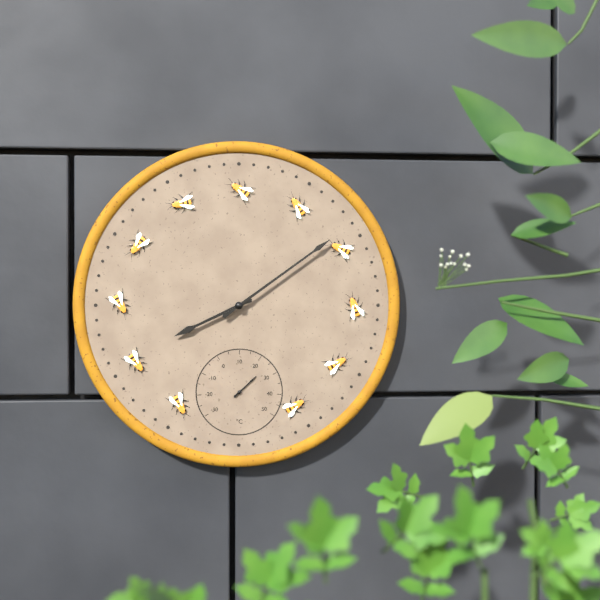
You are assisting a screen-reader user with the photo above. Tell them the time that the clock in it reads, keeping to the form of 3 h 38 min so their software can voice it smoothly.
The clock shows 8 h 09 min
